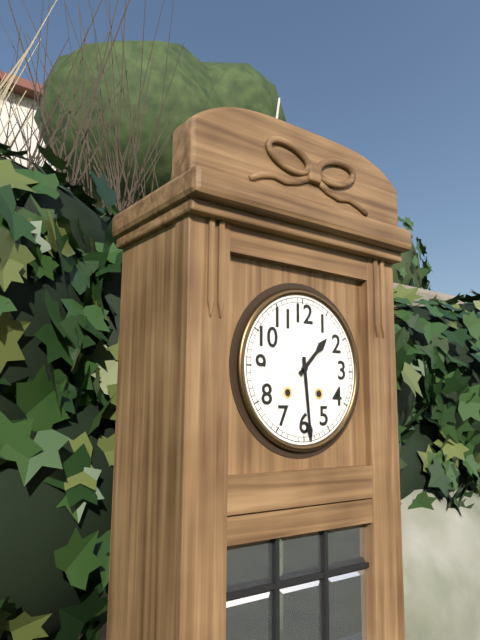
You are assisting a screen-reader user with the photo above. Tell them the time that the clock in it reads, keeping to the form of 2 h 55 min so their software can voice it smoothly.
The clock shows 1 h 29 min
